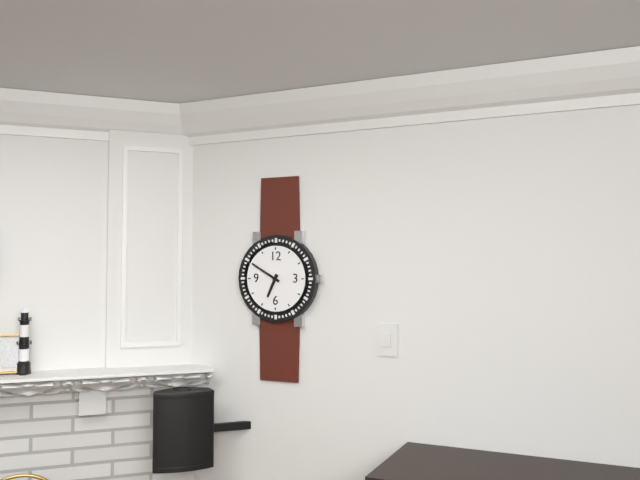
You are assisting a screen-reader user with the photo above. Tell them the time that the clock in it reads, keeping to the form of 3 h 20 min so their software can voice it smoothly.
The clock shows 6 h 50 min
